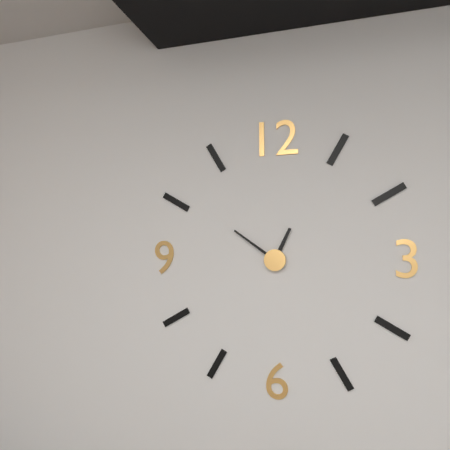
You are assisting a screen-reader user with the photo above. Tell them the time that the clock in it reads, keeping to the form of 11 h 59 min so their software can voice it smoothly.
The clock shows 12 h 51 min
